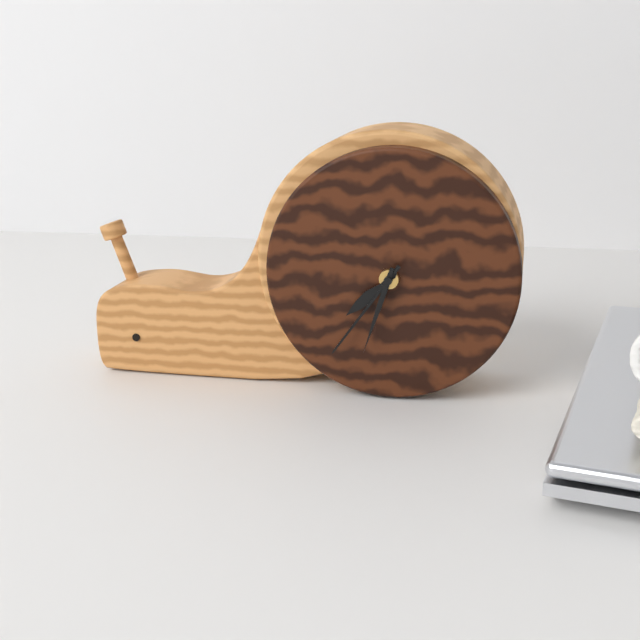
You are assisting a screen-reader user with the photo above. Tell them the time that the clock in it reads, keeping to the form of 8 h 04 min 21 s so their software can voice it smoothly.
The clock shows 7 h 36 min 33 s
